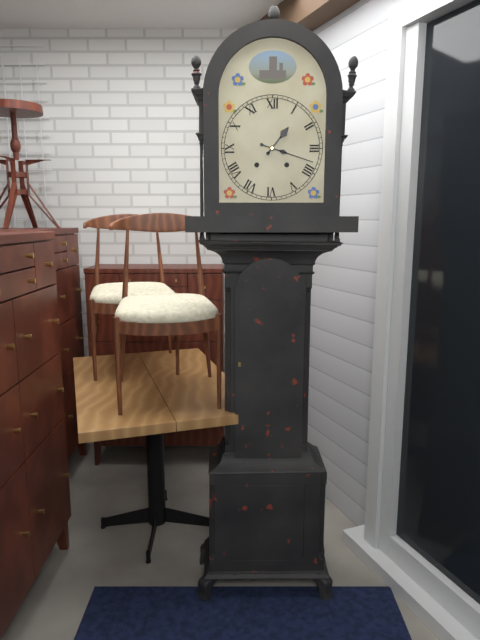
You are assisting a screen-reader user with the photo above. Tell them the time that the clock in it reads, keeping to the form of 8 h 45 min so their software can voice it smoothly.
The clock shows 1 h 18 min
